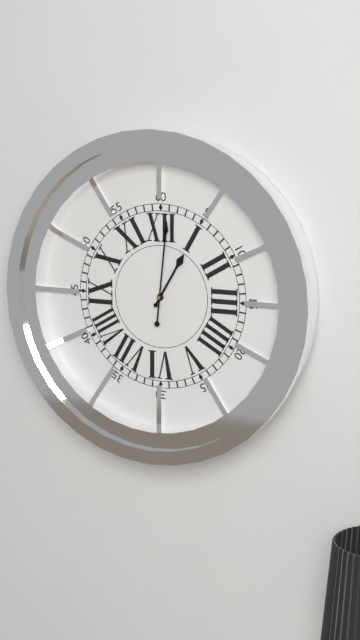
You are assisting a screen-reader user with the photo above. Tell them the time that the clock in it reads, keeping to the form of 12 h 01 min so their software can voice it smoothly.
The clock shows 1 h 01 min
